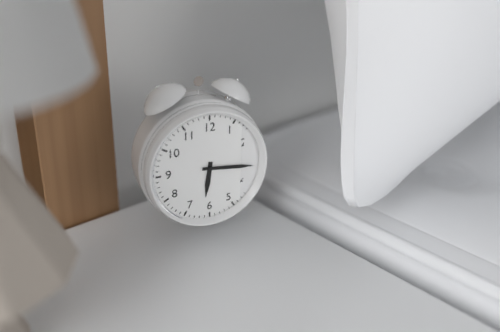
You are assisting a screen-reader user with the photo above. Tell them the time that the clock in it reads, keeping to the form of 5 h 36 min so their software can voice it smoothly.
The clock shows 6 h 16 min
